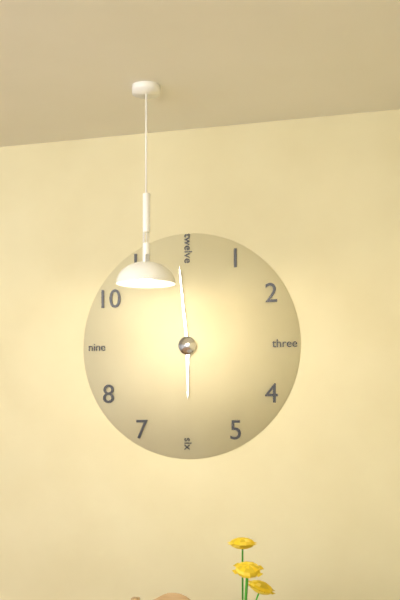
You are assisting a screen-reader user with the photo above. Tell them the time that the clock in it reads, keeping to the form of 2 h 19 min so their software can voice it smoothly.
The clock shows 5 h 59 min
